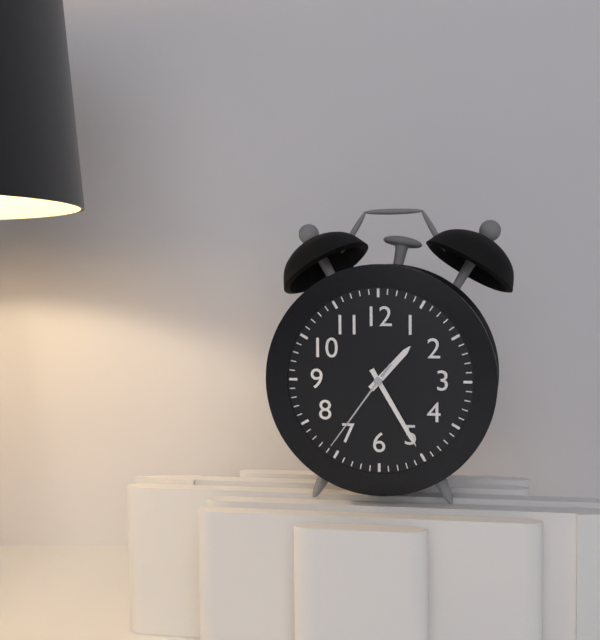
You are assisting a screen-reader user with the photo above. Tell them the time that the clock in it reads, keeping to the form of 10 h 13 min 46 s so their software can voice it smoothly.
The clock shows 1 h 25 min 36 s
